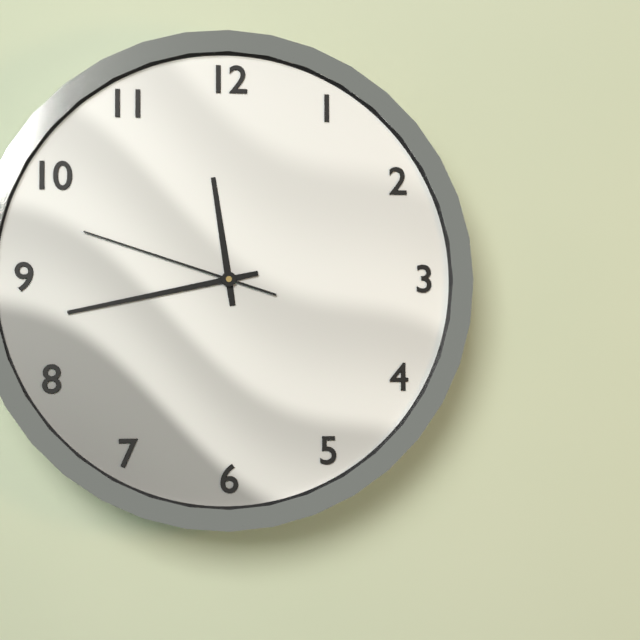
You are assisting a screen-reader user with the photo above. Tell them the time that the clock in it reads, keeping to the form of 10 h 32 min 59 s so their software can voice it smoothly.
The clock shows 11 h 43 min 48 s
